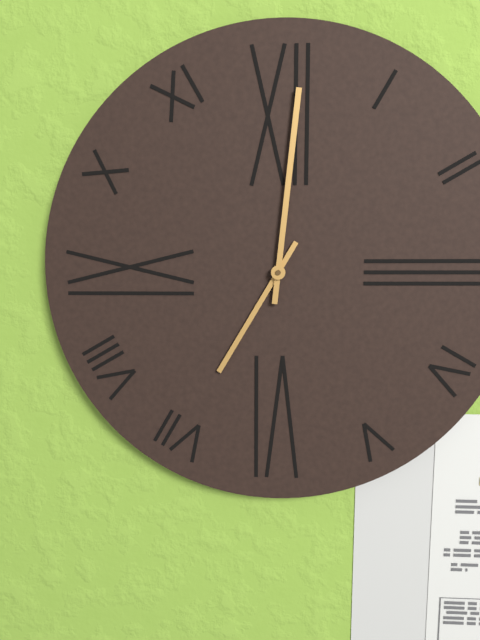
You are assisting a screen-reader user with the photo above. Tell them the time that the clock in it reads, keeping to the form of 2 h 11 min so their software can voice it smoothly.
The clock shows 7 h 01 min
